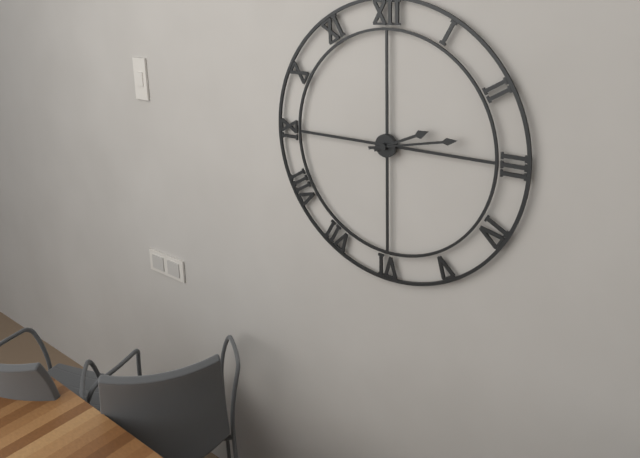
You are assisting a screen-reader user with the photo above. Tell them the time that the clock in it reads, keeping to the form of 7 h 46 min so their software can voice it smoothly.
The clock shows 2 h 13 min
